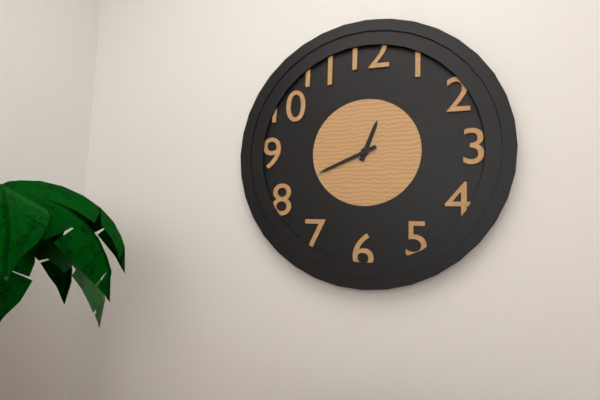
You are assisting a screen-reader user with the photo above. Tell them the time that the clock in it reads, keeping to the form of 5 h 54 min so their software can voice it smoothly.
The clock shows 12 h 41 min
